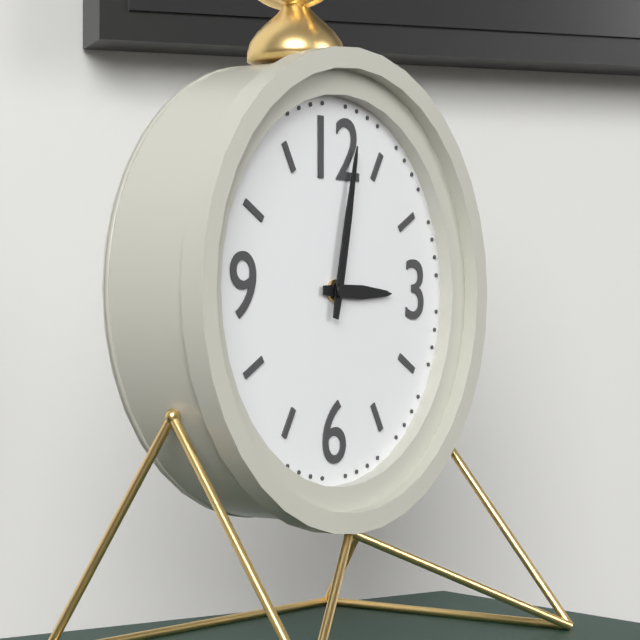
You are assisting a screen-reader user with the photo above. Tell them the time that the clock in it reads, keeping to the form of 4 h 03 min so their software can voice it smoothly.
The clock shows 3 h 02 min
